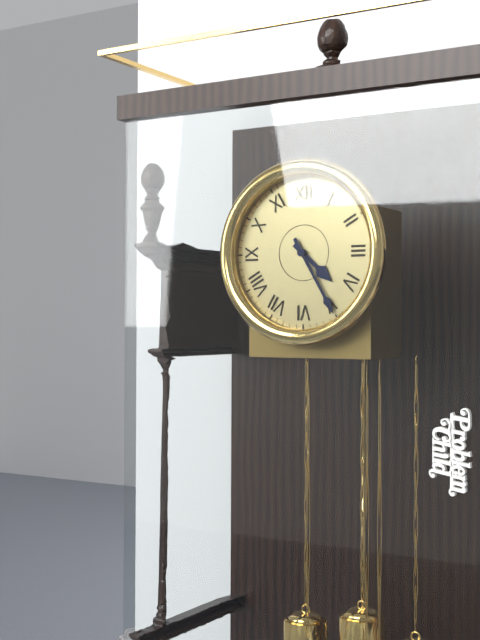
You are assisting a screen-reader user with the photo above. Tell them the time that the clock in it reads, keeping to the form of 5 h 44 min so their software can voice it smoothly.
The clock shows 4 h 25 min
